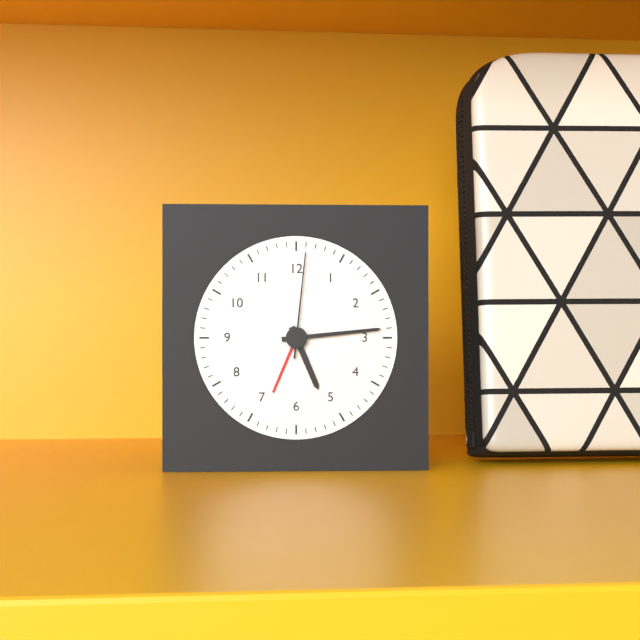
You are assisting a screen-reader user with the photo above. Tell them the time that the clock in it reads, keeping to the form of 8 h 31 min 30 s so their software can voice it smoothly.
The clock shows 5 h 14 min 01 s
